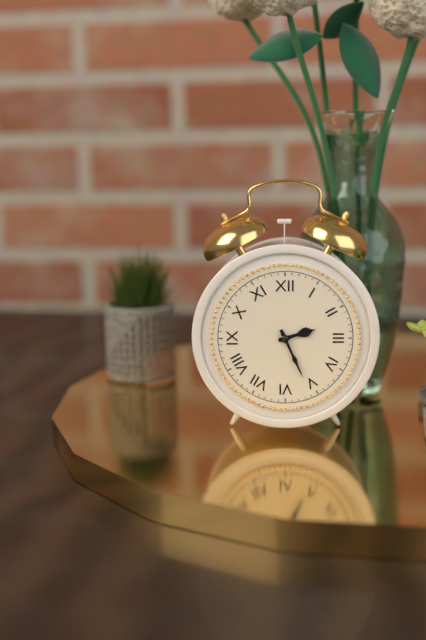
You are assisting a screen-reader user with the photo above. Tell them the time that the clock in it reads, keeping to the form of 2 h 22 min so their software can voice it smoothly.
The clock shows 2 h 26 min
